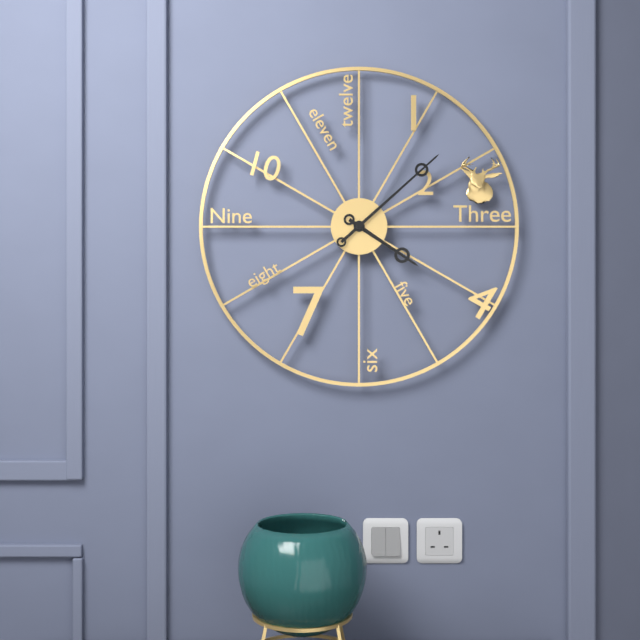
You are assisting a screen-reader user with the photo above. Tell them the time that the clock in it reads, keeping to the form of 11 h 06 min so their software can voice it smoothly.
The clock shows 4 h 08 min
